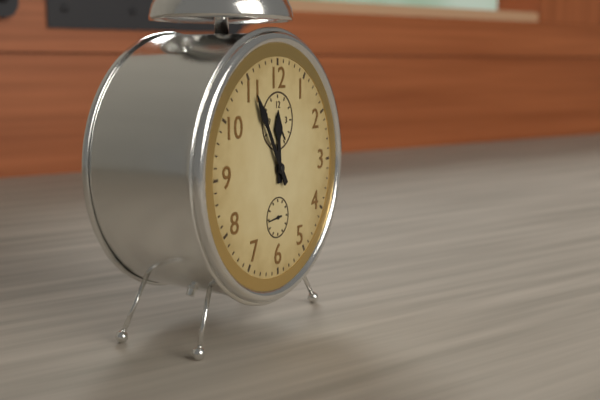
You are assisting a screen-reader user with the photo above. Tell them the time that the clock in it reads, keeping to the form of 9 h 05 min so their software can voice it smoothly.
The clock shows 11 h 55 min
